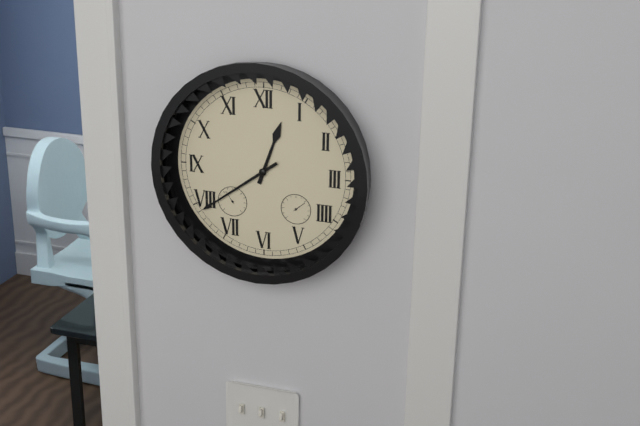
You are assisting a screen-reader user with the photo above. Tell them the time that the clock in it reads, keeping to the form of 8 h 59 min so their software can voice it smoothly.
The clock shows 12 h 39 min
